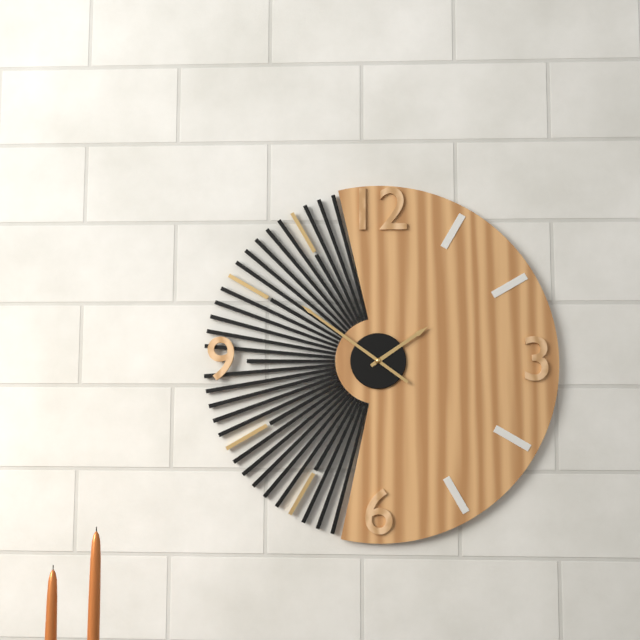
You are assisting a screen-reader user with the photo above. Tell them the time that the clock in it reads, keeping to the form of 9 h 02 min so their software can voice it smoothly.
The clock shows 1 h 51 min
